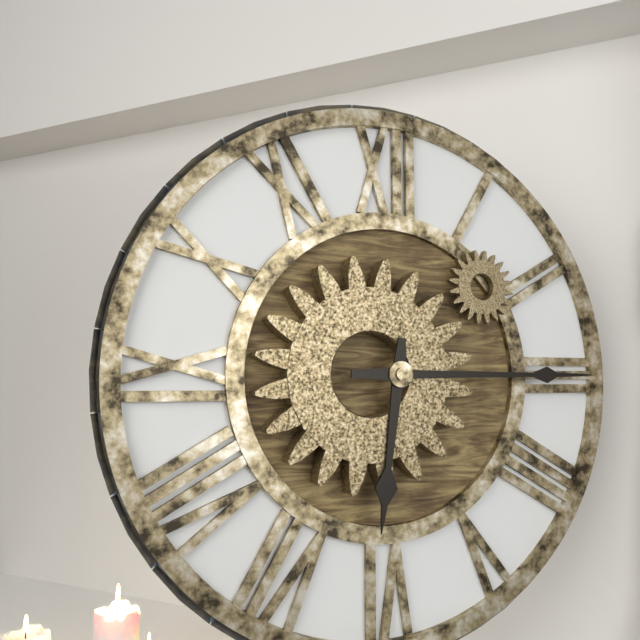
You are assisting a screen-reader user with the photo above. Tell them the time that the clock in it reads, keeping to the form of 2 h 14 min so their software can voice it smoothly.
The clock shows 6 h 15 min
